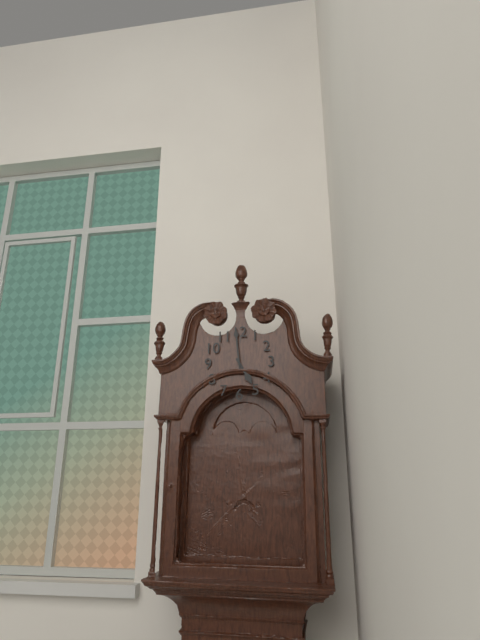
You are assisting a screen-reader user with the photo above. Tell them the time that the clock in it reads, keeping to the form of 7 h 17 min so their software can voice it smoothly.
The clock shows 4 h 59 min
